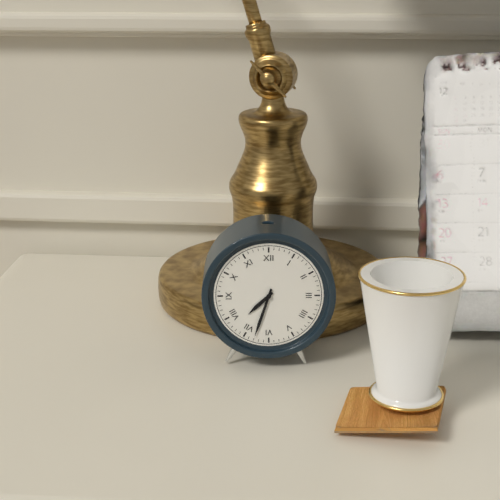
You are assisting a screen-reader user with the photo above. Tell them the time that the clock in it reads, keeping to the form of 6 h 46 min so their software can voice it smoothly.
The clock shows 7 h 33 min
